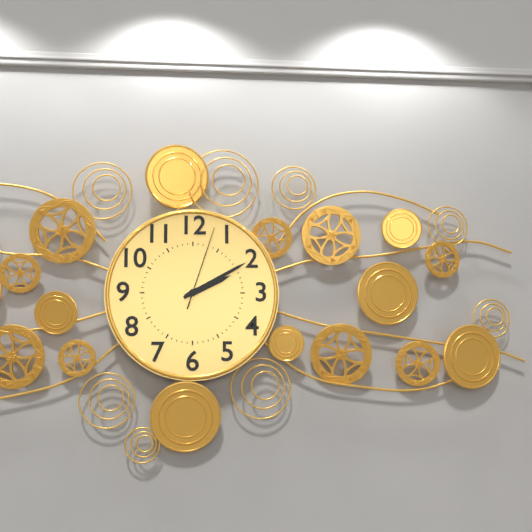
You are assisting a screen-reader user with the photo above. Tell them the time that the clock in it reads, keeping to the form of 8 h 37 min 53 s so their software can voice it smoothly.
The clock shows 2 h 10 min 03 s
